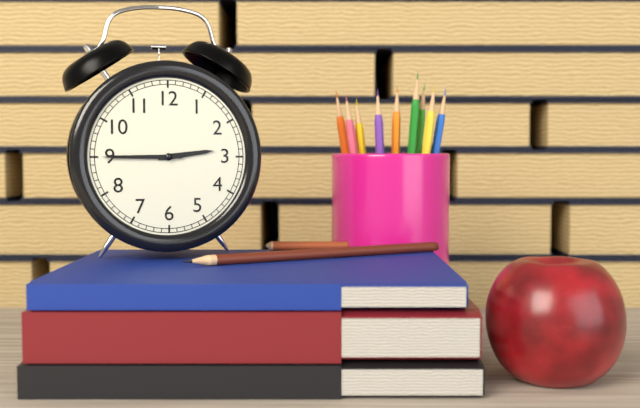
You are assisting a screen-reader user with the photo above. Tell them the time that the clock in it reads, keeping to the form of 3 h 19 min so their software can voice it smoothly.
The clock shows 2 h 45 min
